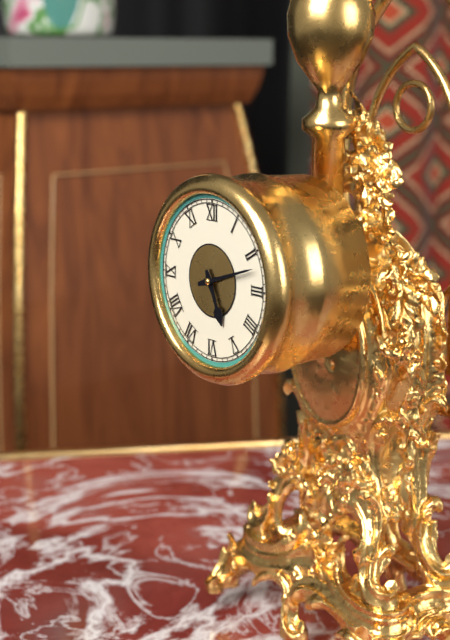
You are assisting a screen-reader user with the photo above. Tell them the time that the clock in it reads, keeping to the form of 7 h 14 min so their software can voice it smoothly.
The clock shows 5 h 12 min
